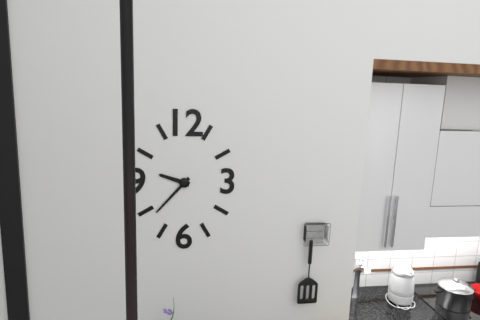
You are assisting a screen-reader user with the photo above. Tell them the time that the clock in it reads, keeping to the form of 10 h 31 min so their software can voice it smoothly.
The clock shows 9 h 37 min
